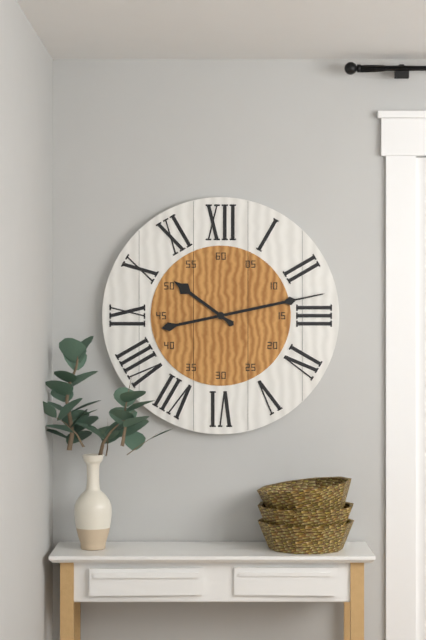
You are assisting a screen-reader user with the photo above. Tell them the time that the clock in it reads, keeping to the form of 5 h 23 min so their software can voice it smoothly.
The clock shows 10 h 13 min
